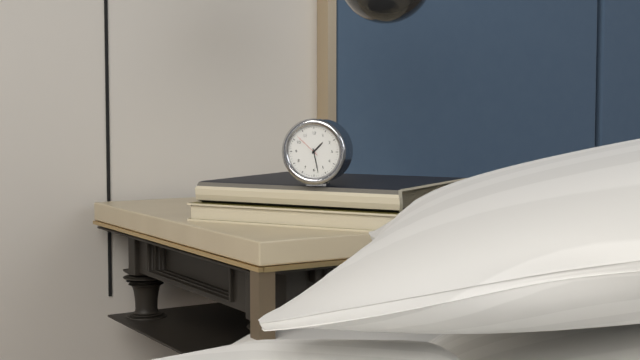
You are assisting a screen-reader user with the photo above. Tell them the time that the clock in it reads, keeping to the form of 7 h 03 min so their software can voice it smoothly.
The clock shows 1 h 28 min
